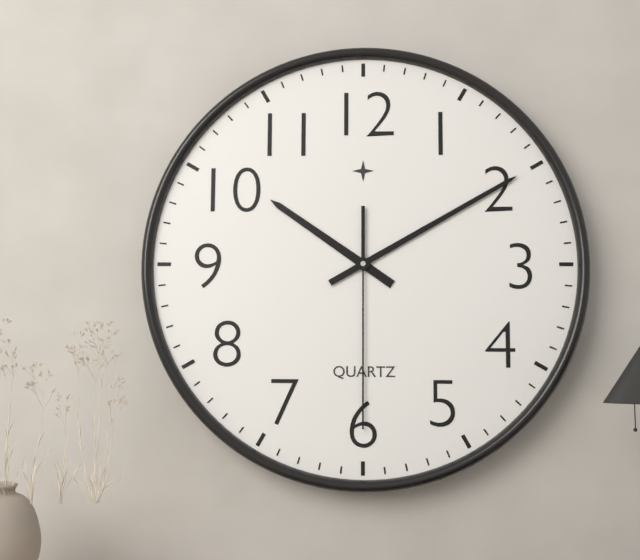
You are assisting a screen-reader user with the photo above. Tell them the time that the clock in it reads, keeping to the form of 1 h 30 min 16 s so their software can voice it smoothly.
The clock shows 10 h 10 min 30 s
